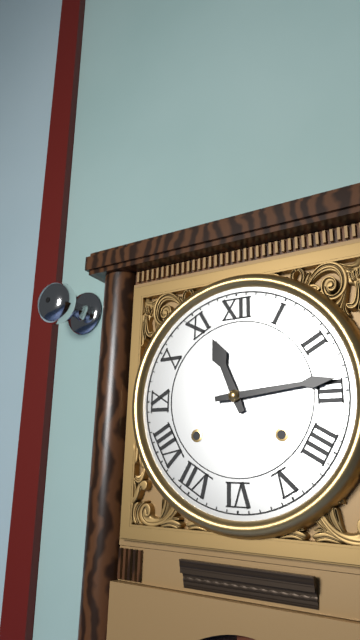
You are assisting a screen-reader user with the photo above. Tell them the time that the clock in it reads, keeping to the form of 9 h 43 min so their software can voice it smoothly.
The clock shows 11 h 14 min
